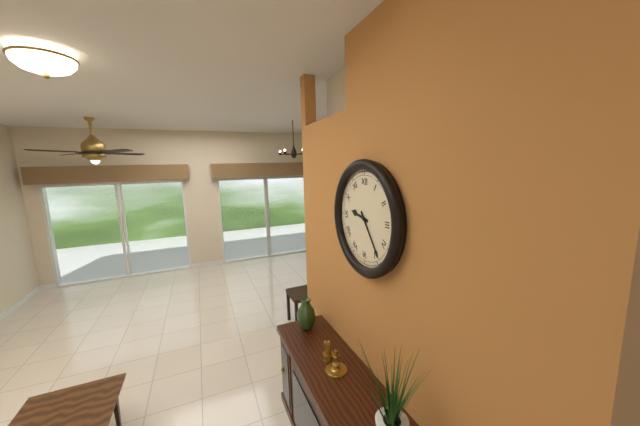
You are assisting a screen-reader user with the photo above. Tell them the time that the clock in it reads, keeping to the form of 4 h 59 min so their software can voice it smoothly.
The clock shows 9 h 24 min
